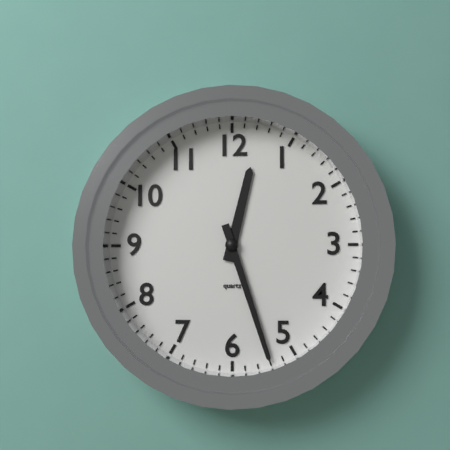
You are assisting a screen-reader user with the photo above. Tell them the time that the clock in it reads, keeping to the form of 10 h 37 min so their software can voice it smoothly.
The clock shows 12 h 27 min
